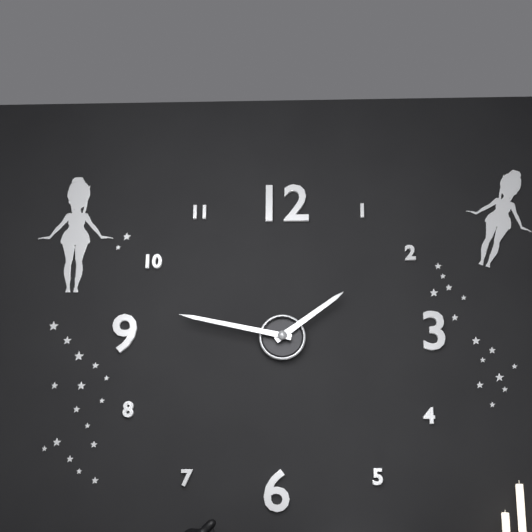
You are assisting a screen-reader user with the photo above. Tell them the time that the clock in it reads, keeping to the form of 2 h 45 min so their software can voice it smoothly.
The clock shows 1 h 47 min
